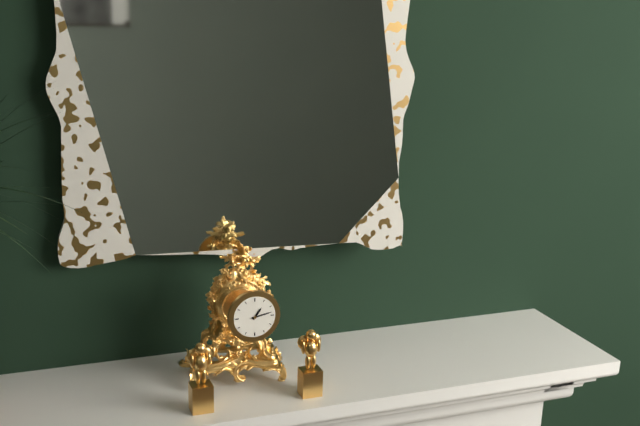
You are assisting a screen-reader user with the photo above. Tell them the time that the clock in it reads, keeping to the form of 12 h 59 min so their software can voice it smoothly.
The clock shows 1 h 13 min
